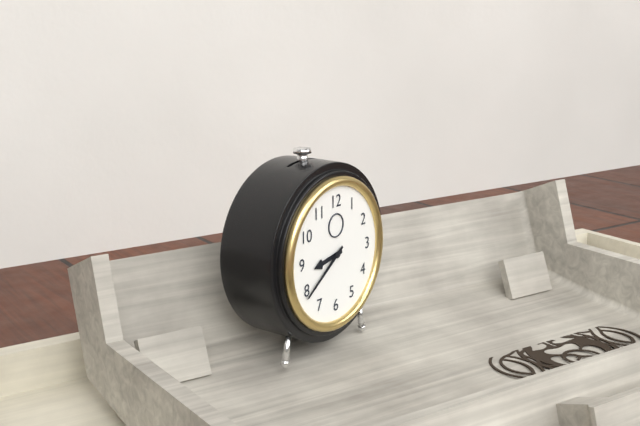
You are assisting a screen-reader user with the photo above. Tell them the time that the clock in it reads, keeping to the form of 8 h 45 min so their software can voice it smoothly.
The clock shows 8 h 39 min
